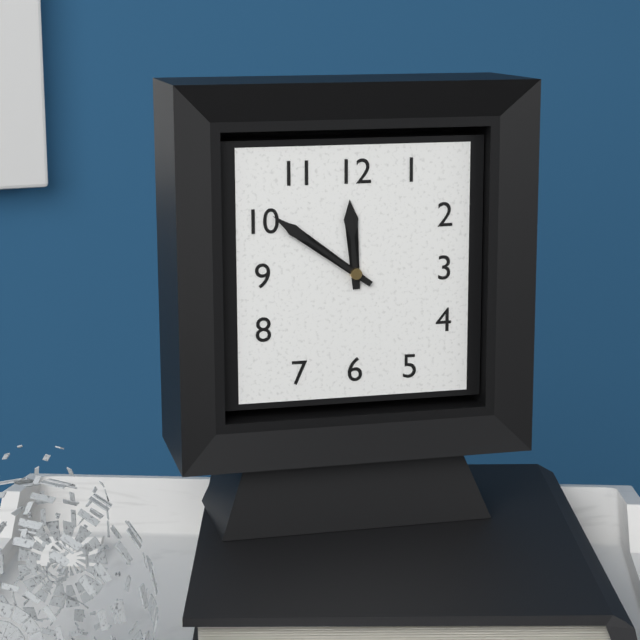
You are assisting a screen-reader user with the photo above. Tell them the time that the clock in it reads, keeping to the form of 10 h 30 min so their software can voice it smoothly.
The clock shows 11 h 51 min
